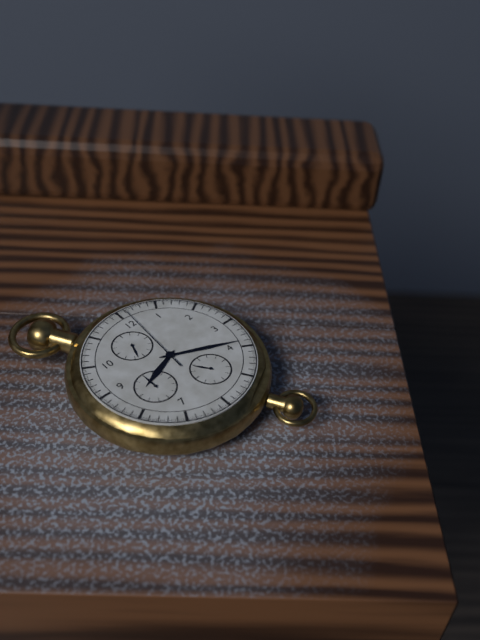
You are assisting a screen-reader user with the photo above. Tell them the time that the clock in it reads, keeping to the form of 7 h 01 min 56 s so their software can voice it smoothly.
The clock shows 8 h 19 min 01 s
